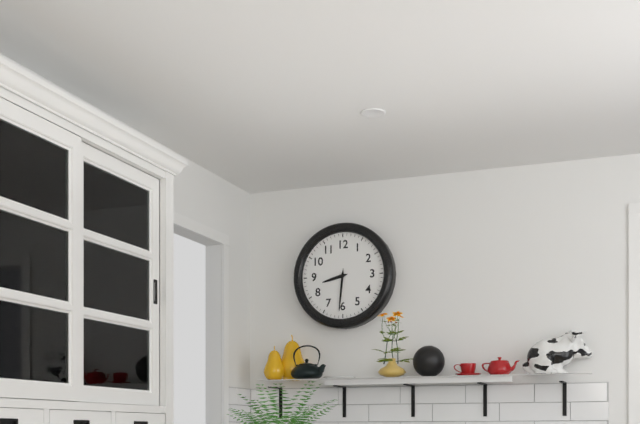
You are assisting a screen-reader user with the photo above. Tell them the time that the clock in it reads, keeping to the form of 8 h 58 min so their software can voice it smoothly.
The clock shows 8 h 31 min
